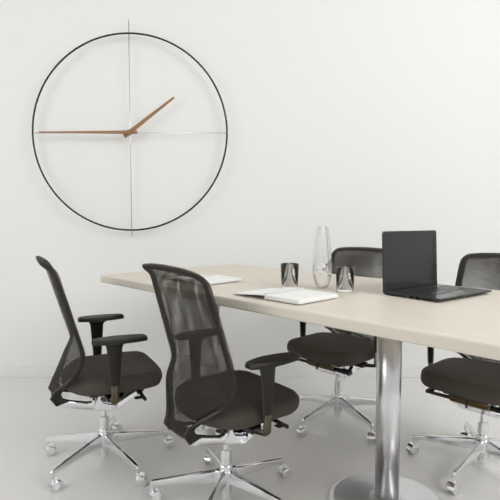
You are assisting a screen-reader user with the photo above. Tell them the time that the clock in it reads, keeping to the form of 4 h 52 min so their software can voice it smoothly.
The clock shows 1 h 45 min
